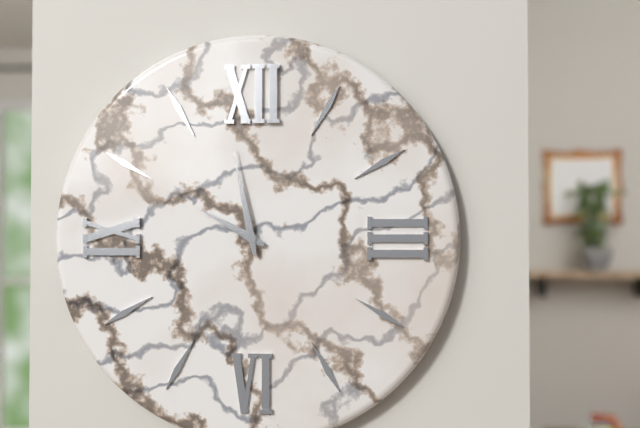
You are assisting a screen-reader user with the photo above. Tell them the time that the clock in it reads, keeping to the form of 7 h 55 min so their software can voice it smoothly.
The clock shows 9 h 58 min
